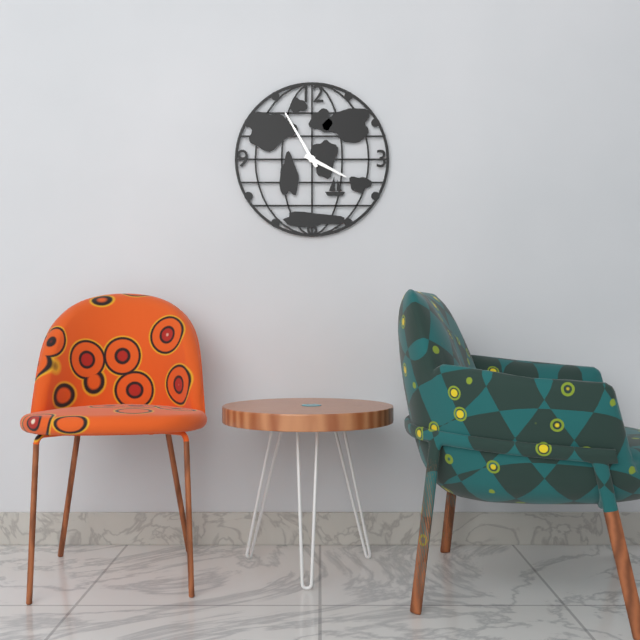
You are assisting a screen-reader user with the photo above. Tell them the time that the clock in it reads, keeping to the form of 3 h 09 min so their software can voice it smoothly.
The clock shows 3 h 55 min
